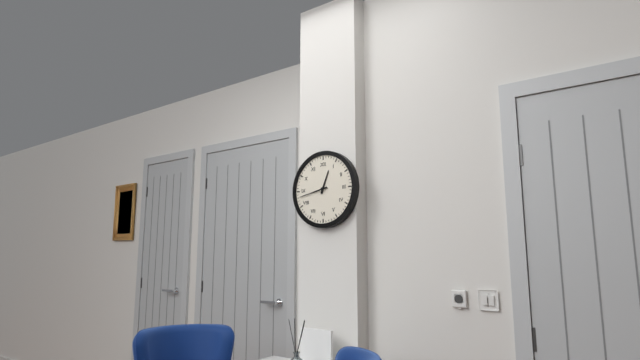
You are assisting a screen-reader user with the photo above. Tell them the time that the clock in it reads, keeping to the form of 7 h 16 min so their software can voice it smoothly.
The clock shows 12 h 43 min
